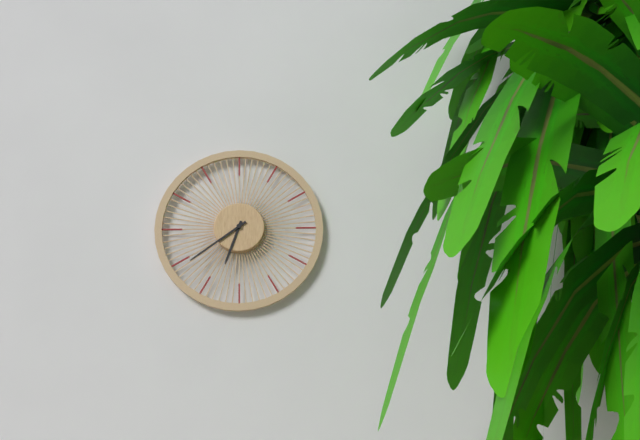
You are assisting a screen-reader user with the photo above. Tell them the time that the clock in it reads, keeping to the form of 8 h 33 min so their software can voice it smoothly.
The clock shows 6 h 39 min
